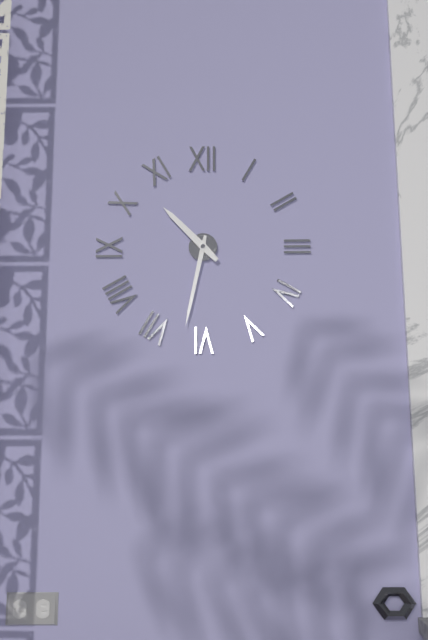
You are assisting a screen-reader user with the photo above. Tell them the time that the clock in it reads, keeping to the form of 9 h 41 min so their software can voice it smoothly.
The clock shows 10 h 32 min
